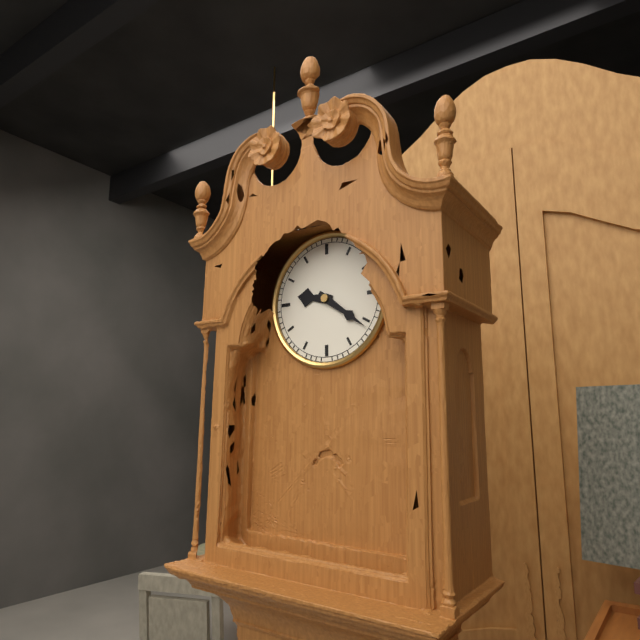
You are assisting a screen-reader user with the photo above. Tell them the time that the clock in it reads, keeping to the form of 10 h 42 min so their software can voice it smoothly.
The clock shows 9 h 21 min
